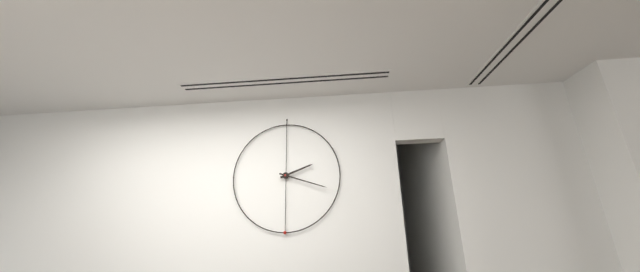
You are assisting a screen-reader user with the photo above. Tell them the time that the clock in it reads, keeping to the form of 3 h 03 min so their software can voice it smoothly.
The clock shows 2 h 18 min
